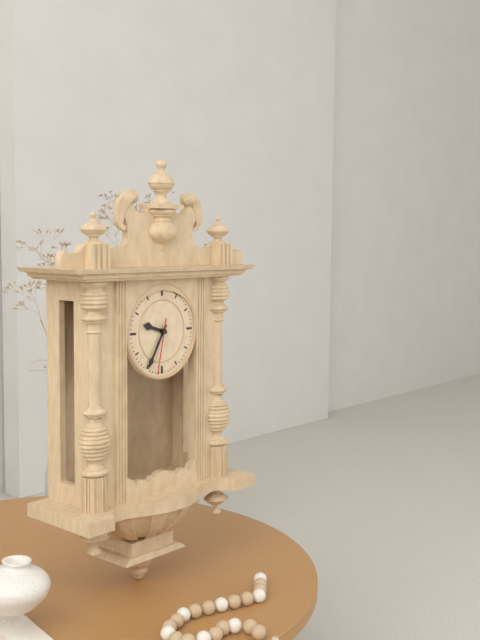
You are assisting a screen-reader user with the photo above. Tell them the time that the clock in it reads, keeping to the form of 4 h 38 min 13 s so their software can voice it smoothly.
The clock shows 9 h 35 min 32 s
